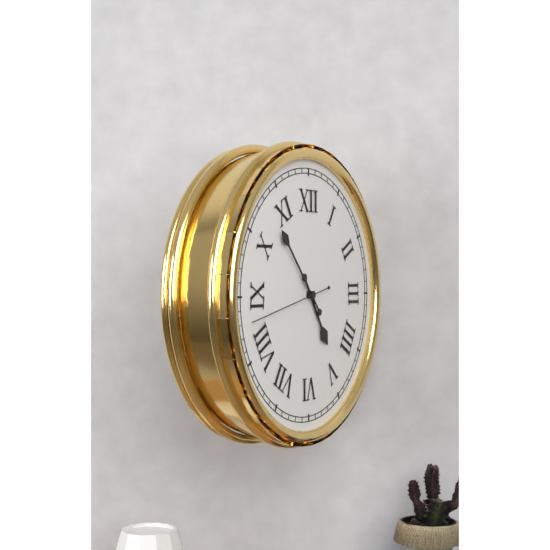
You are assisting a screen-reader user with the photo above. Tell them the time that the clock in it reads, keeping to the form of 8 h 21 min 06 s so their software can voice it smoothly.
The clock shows 4 h 53 min 43 s
